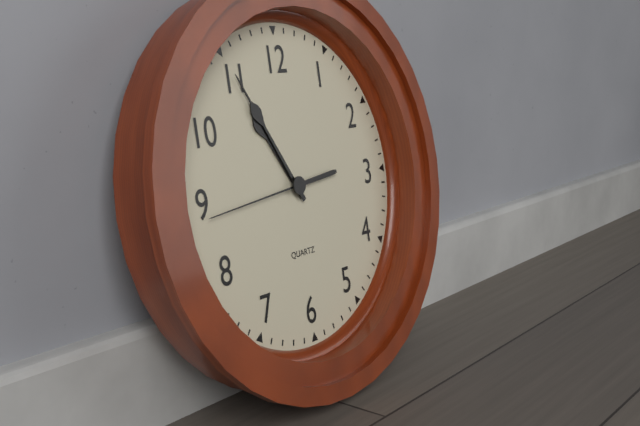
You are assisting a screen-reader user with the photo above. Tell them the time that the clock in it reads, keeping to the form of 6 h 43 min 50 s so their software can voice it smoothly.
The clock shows 10 h 55 min 44 s
